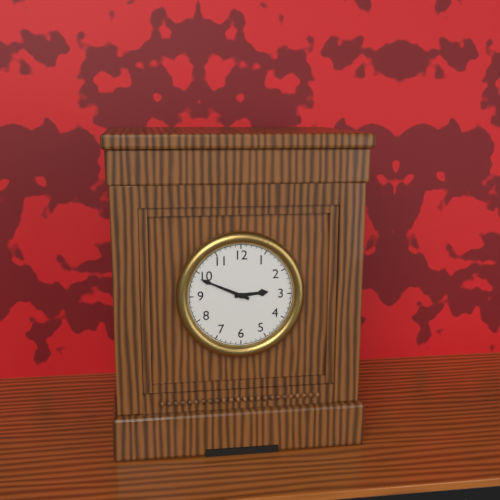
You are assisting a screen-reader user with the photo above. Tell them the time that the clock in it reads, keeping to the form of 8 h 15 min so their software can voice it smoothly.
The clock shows 2 h 49 min
